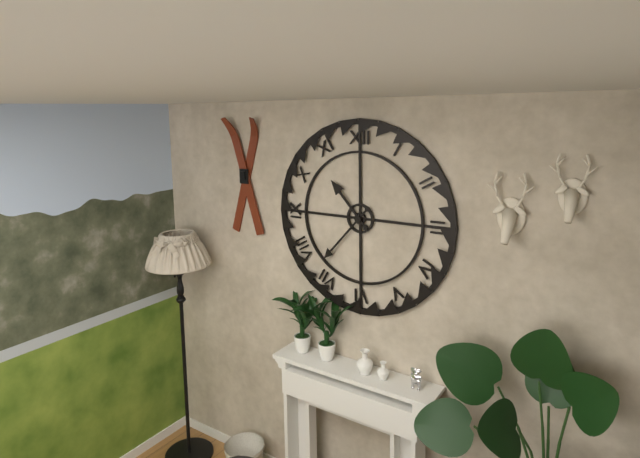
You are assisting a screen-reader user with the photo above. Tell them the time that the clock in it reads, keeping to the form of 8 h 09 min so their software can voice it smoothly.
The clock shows 10 h 37 min
